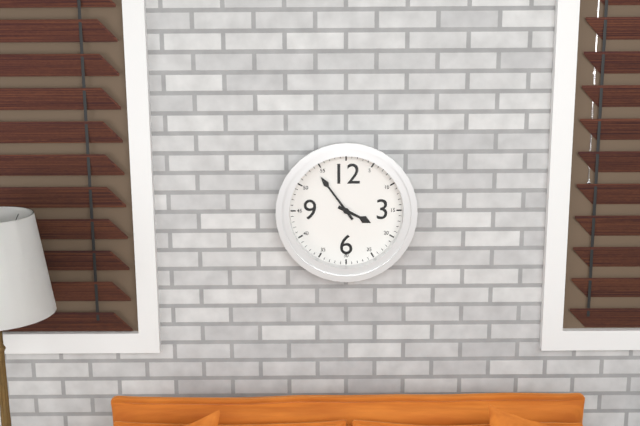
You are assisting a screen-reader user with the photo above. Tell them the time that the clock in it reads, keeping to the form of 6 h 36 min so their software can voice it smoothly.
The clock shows 3 h 54 min
